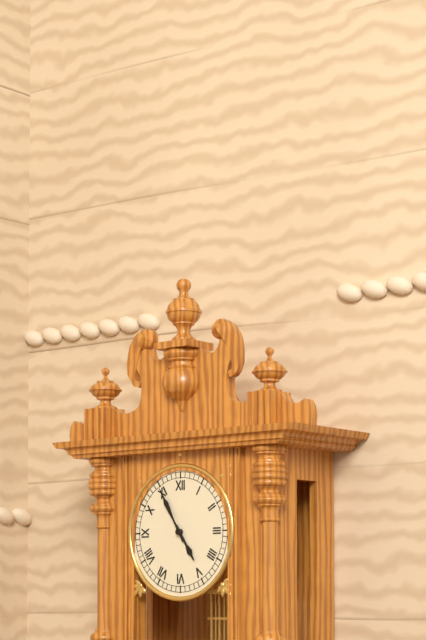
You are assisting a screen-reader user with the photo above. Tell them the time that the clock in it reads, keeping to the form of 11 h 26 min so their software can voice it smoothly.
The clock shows 4 h 55 min
